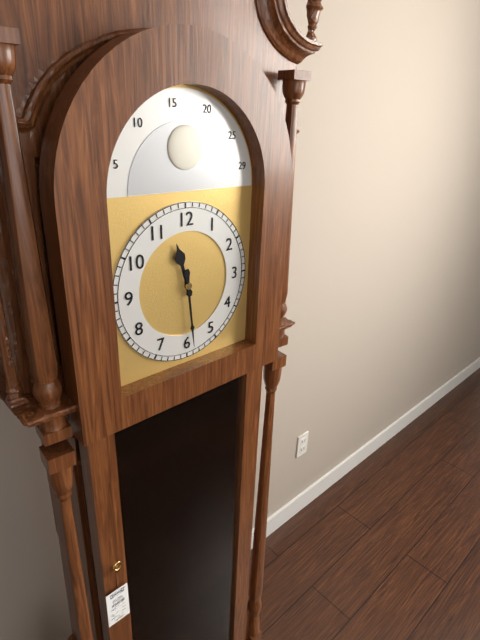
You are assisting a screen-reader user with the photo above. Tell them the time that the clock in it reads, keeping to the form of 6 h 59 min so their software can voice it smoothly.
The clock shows 11 h 29 min
